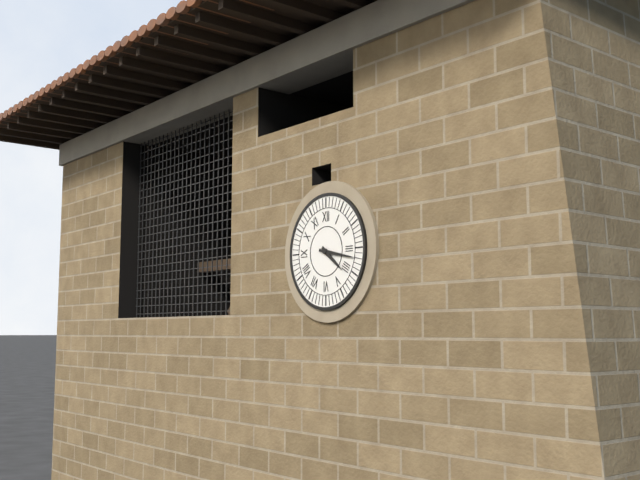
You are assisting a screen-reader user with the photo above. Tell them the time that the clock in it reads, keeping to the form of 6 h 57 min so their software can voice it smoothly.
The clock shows 4 h 17 min
